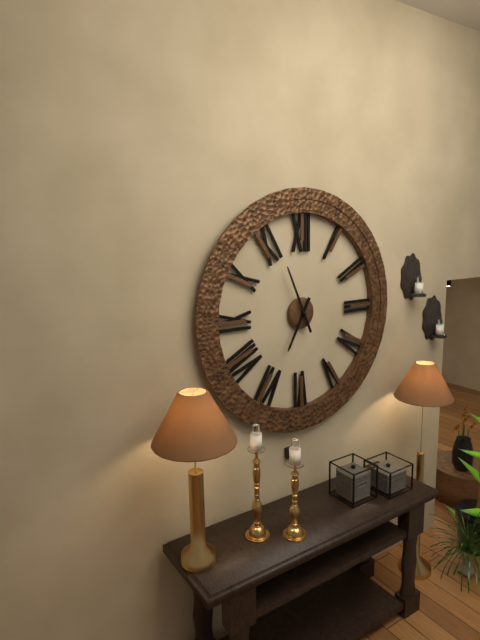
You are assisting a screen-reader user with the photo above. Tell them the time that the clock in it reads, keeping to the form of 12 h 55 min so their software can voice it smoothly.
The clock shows 6 h 56 min
